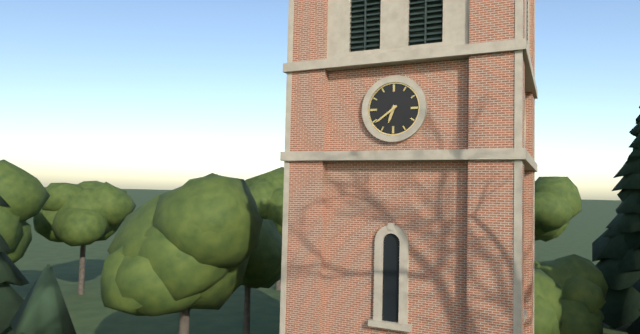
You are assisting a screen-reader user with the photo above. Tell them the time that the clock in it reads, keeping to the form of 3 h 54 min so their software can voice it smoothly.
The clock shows 6 h 39 min
